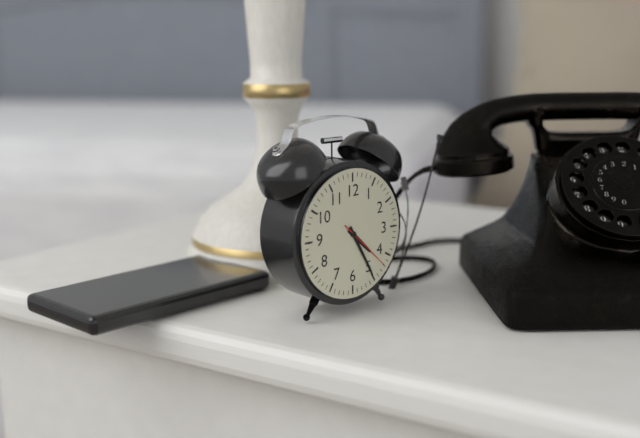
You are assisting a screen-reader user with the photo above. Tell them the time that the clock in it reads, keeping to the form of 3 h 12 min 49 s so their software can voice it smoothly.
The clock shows 4 h 25 min 22 s
